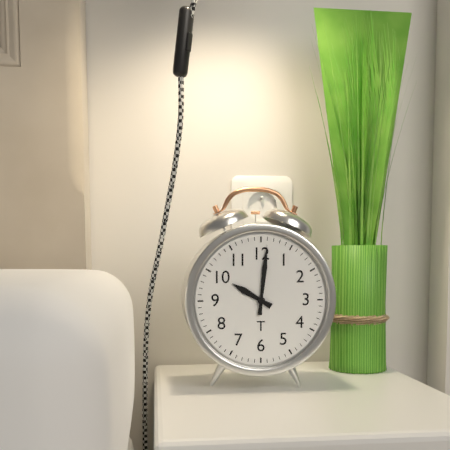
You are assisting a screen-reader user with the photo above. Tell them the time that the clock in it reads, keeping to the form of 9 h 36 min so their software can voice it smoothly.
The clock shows 10 h 01 min
